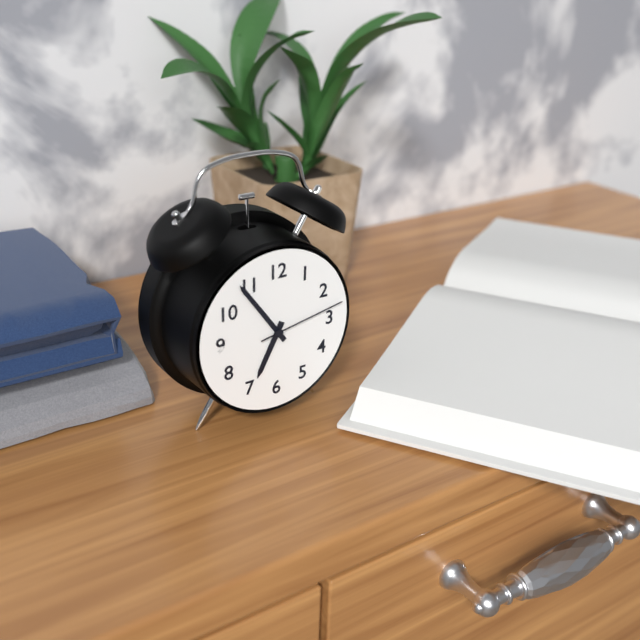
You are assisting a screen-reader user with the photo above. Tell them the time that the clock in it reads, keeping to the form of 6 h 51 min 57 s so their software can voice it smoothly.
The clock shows 6 h 54 min 13 s
